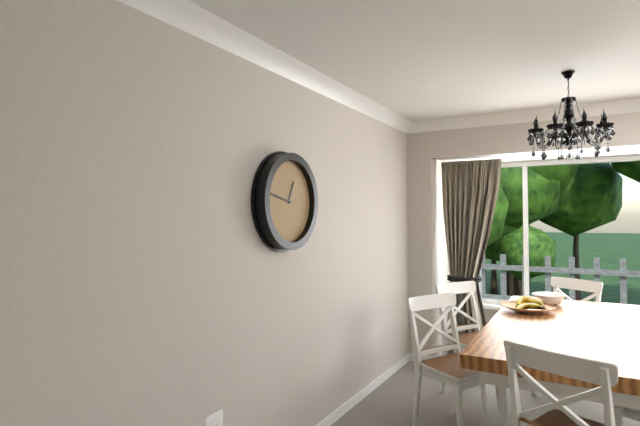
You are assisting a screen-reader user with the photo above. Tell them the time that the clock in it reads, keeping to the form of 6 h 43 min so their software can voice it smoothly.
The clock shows 12 h 47 min
